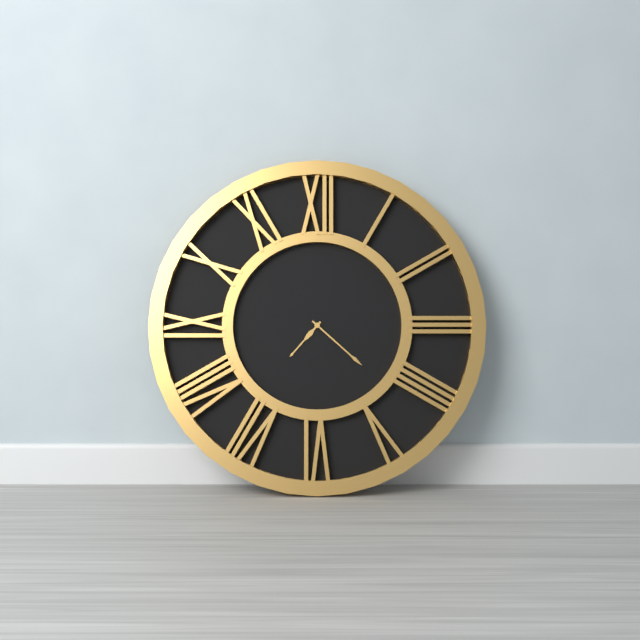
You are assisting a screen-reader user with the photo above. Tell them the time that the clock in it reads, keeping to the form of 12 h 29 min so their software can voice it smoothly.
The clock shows 7 h 22 min
